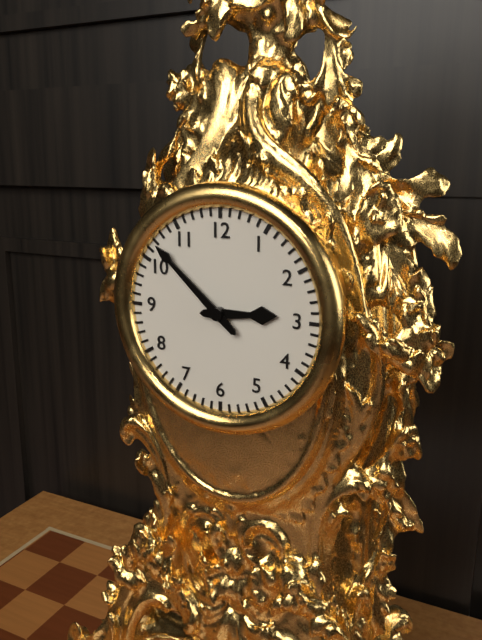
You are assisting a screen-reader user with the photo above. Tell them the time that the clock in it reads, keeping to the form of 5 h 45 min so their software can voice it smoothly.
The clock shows 2 h 52 min
